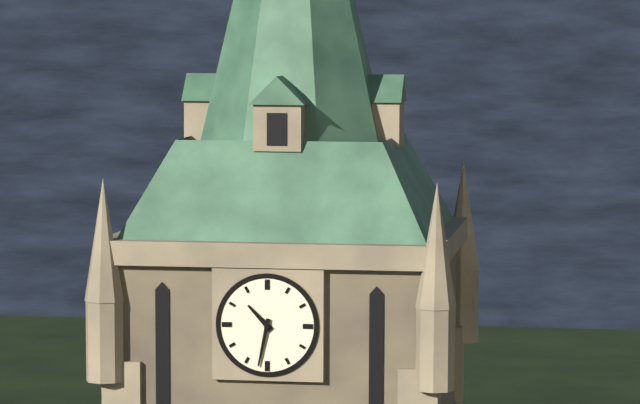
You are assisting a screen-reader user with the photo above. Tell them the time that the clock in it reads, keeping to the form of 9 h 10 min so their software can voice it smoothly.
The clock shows 10 h 32 min
